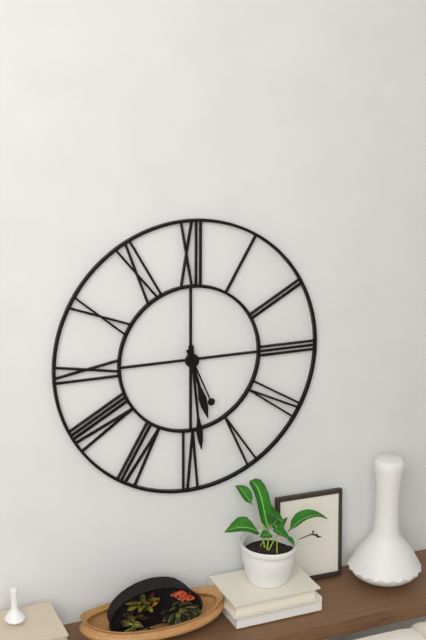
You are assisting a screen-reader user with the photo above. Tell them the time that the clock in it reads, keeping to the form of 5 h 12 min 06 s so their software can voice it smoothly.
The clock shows 5 h 29 min 26 s
